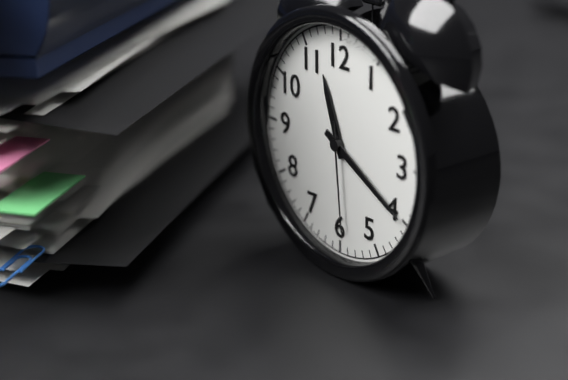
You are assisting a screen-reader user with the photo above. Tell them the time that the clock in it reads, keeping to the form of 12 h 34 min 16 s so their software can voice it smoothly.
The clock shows 11 h 20 min 29 s
